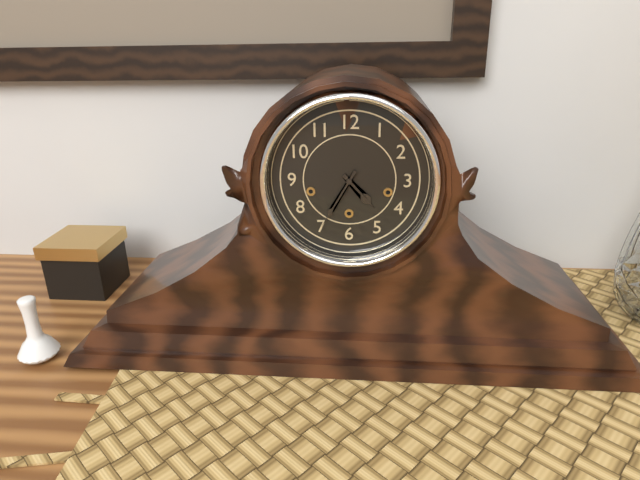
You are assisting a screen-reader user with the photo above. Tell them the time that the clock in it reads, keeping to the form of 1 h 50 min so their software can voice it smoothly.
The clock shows 4 h 35 min
